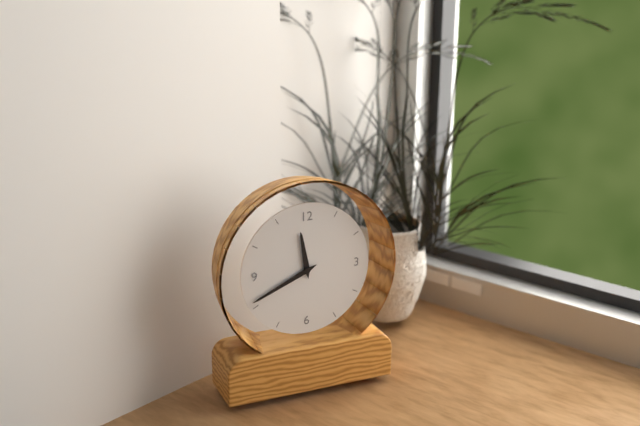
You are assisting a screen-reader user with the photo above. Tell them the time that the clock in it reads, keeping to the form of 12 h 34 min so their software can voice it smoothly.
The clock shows 11 h 41 min
